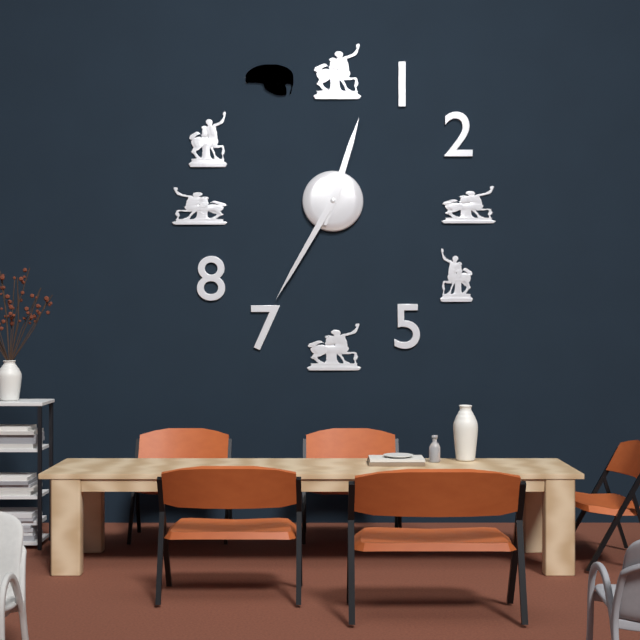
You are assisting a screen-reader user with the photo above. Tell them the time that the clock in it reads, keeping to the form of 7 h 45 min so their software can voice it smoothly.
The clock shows 12 h 35 min
